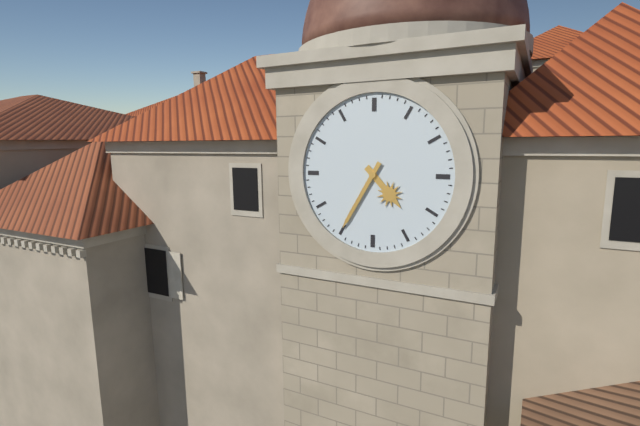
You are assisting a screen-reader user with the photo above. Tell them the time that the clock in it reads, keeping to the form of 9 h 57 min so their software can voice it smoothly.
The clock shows 4 h 35 min
